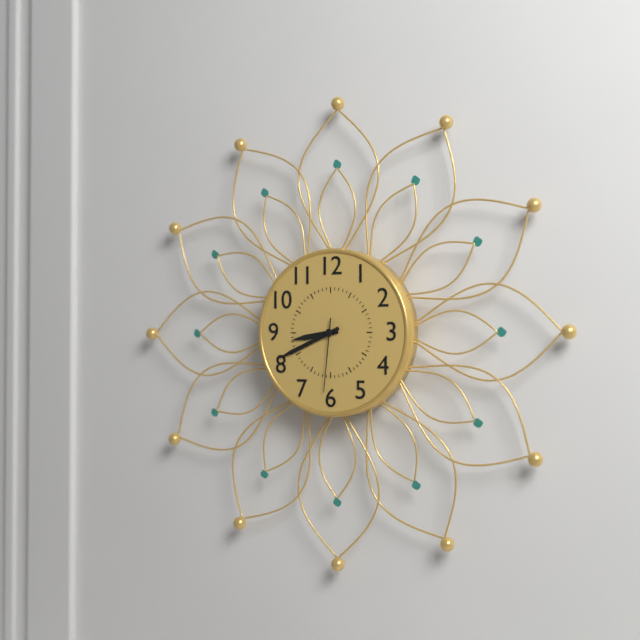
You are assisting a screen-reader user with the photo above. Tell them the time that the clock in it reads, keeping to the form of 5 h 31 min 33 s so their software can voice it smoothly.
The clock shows 8 h 41 min 31 s
